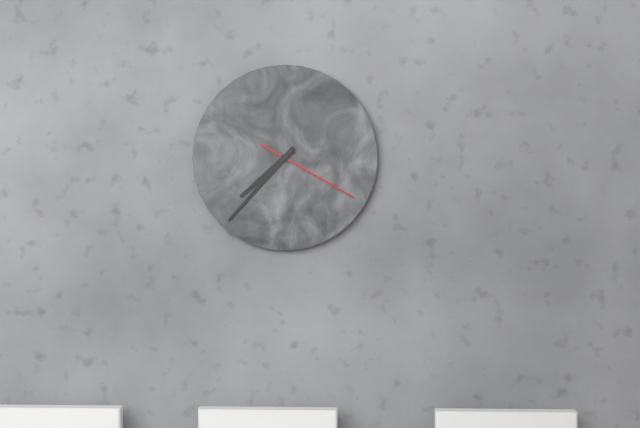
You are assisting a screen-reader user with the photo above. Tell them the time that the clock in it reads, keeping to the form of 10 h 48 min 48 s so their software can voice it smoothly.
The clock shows 7 h 37 min 20 s
